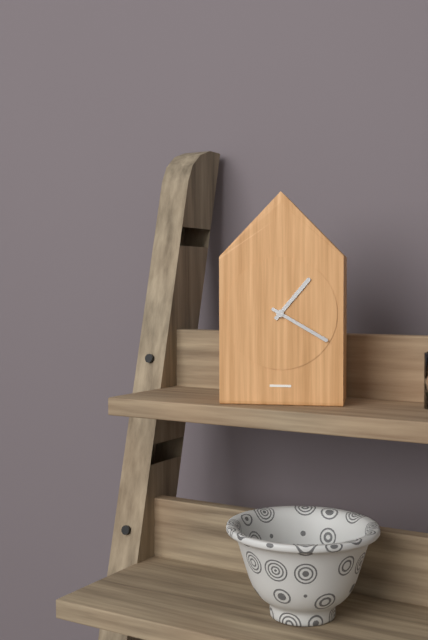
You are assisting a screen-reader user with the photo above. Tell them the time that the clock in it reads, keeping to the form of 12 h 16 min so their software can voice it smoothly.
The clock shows 1 h 20 min
